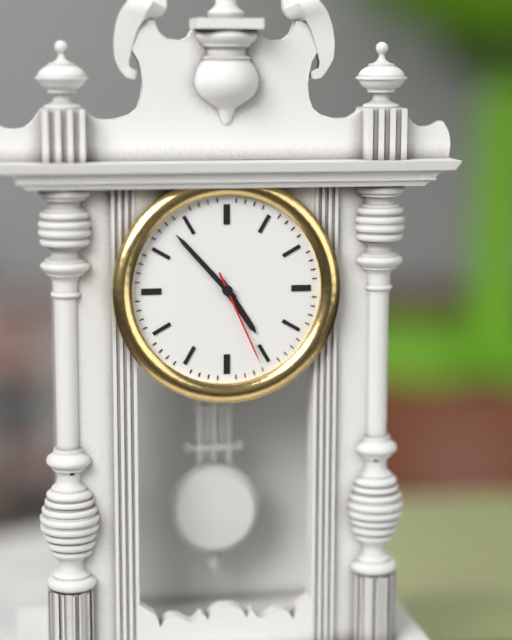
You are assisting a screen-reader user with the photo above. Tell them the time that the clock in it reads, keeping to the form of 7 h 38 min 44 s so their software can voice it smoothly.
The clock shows 4 h 53 min 26 s
